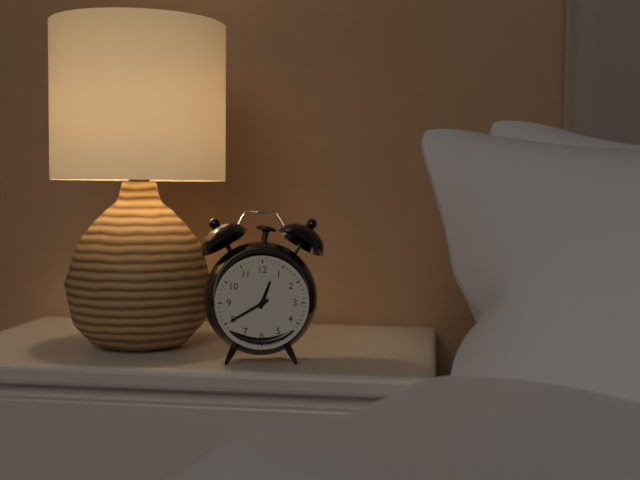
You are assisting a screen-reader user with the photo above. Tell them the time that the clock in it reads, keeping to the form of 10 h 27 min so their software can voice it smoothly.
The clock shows 12 h 40 min
